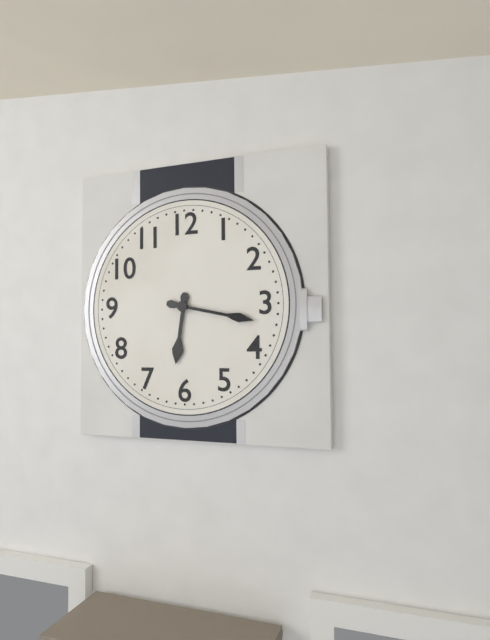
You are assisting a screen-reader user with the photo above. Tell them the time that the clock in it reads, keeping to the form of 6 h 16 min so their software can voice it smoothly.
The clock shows 6 h 17 min
